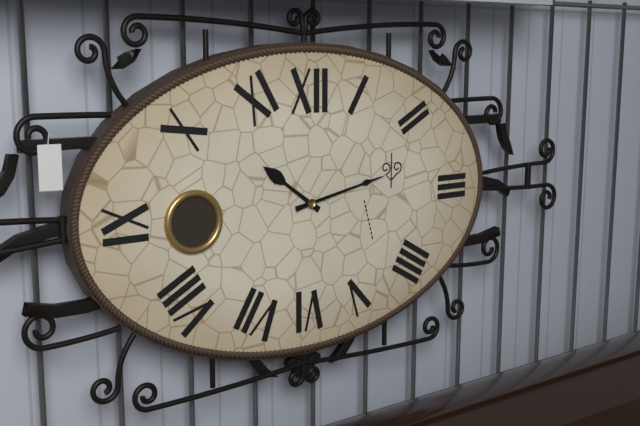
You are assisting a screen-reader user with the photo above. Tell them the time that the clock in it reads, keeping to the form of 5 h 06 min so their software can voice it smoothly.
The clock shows 10 h 13 min
